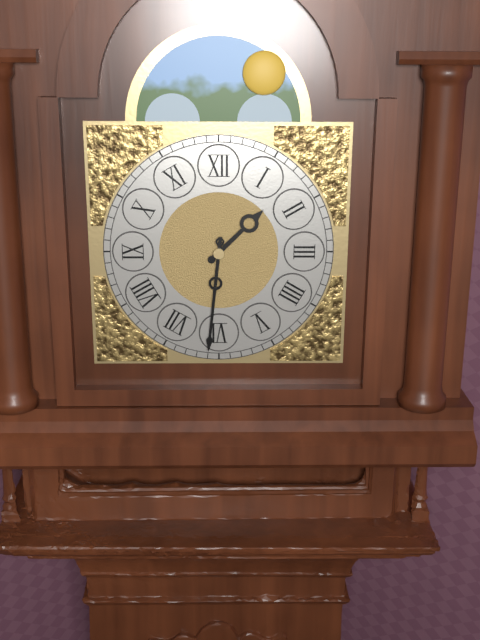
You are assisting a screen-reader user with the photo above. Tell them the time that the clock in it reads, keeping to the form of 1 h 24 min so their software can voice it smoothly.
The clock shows 1 h 31 min
